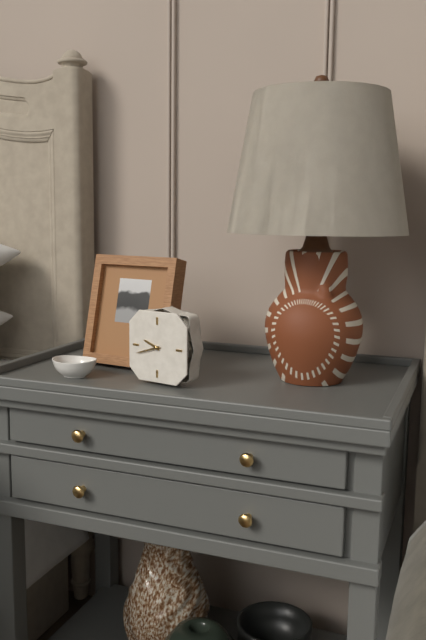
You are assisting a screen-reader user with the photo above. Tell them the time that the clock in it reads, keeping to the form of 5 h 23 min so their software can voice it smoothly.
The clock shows 9 h 42 min
